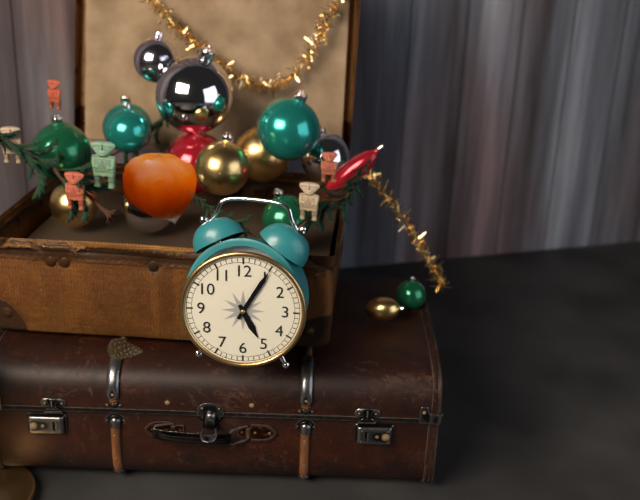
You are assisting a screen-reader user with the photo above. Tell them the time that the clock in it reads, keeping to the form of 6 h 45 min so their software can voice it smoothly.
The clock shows 5 h 05 min
